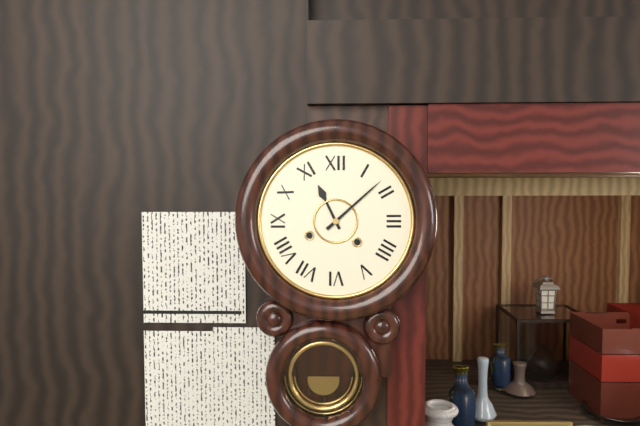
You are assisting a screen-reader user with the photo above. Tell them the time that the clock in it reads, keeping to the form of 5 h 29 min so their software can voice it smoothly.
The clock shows 11 h 08 min
